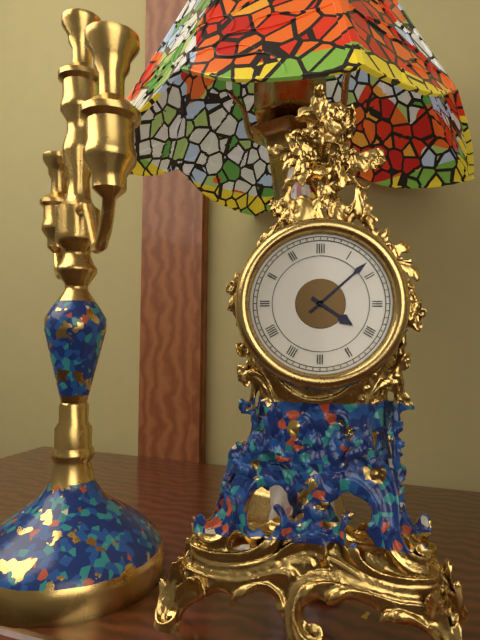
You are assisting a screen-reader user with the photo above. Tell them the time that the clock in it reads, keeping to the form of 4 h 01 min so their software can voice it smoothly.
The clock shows 4 h 08 min
